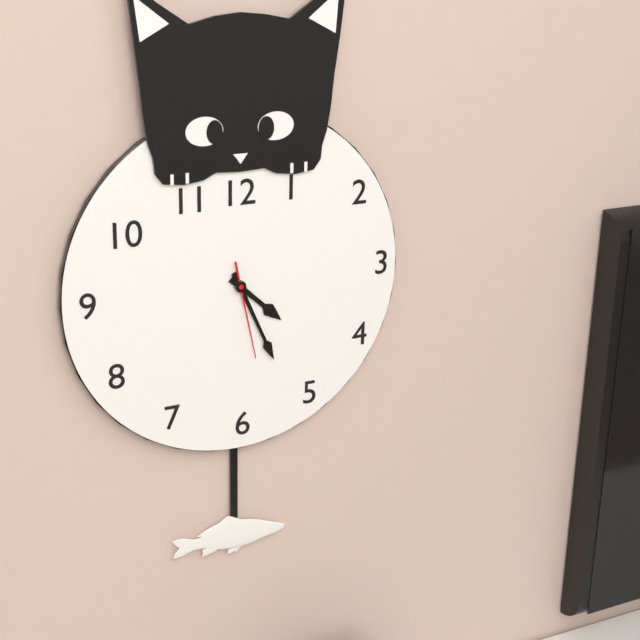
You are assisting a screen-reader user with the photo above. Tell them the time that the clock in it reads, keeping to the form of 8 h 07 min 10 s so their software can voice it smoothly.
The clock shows 4 h 26 min 28 s
